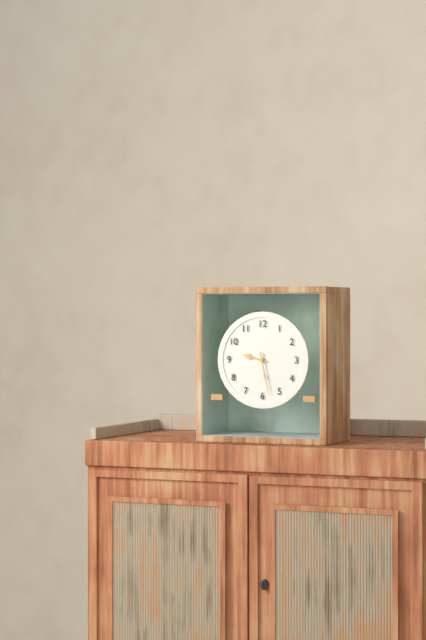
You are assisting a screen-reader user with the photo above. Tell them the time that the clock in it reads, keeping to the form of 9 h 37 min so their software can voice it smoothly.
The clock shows 9 h 28 min
